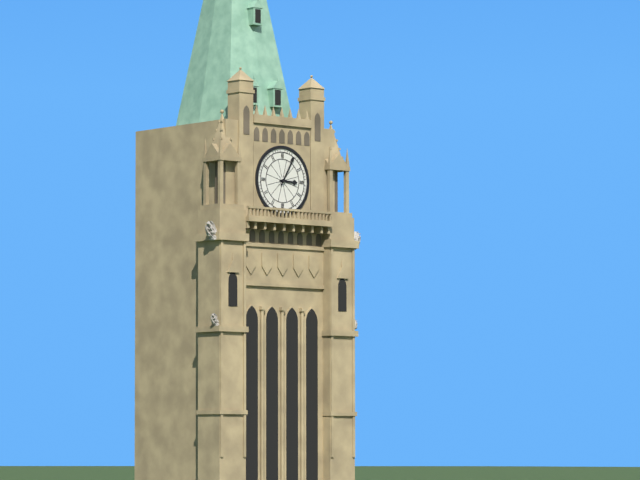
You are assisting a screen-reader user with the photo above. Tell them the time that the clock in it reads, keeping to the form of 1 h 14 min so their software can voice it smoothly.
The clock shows 3 h 05 min
